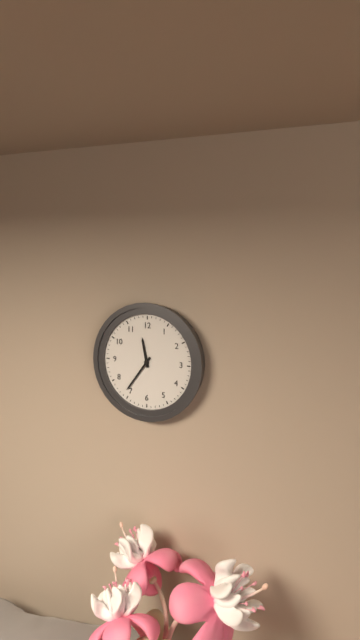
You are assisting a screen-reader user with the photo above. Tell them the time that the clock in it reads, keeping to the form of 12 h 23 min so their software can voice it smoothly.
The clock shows 11 h 36 min
